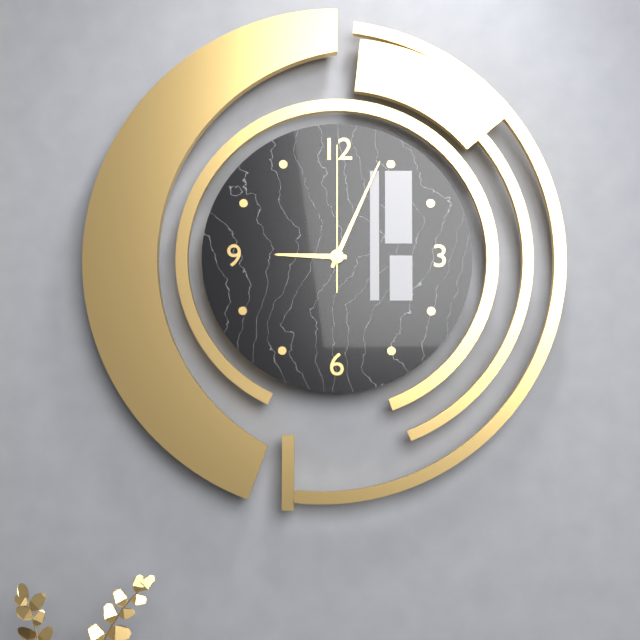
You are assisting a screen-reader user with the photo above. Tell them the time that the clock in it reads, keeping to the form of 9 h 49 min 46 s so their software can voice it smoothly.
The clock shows 9 h 04 min 00 s
